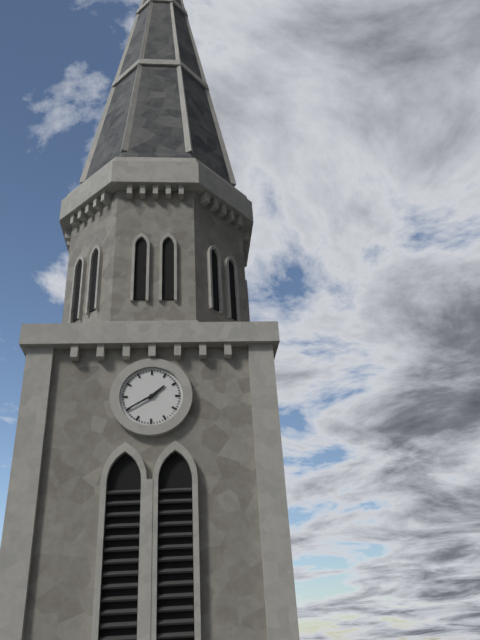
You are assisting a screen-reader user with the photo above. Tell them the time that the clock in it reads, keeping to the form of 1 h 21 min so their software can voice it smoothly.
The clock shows 1 h 40 min
